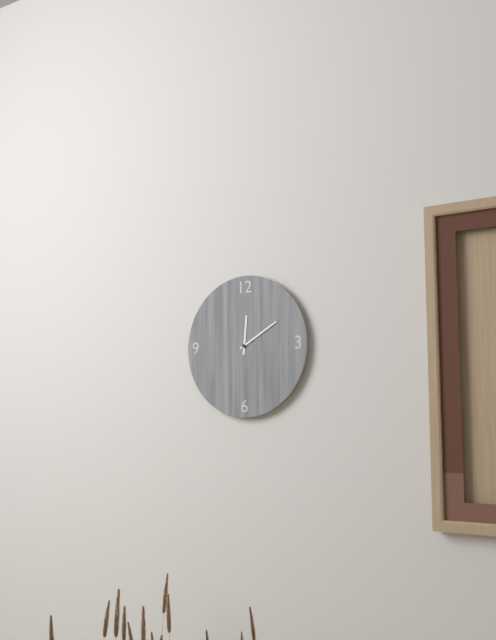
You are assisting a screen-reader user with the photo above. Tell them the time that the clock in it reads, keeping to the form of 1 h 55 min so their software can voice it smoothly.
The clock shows 12 h 10 min
